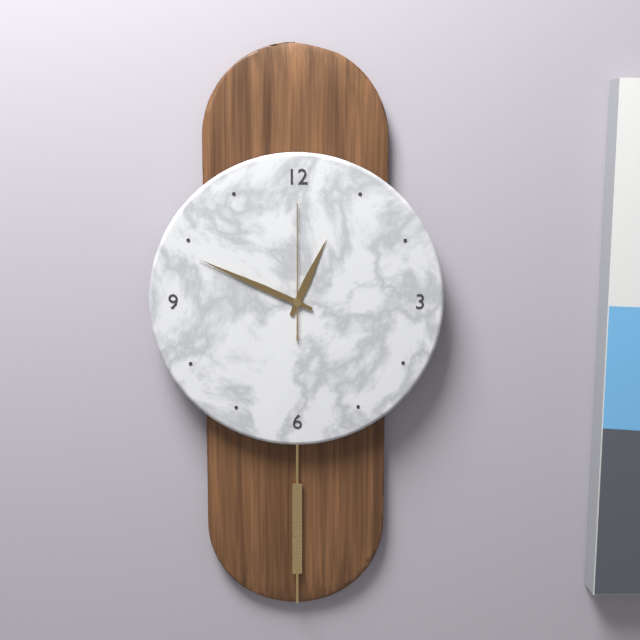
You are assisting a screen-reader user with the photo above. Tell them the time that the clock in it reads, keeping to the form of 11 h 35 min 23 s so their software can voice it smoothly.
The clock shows 12 h 49 min 00 s
